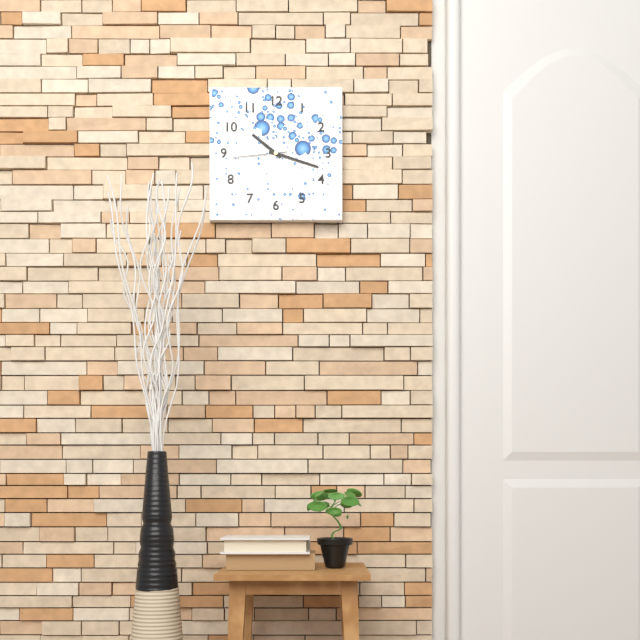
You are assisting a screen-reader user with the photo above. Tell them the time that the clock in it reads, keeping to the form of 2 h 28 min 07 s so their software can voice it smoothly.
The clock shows 10 h 18 min 44 s
